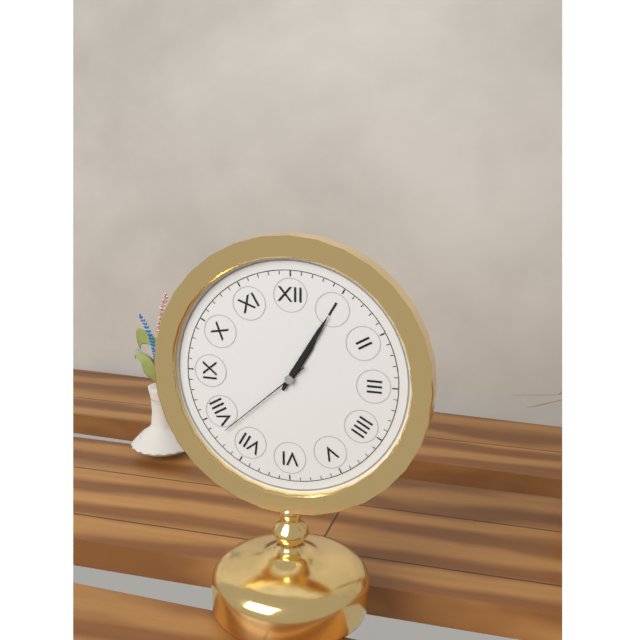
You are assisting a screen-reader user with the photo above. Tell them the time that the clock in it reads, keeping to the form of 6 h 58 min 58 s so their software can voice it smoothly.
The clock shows 1 h 05 min 38 s
